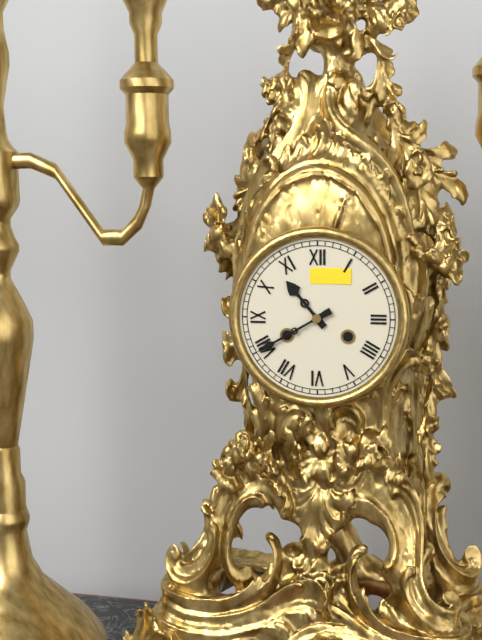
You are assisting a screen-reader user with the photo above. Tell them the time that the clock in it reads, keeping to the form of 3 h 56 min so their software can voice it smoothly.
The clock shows 10 h 40 min
